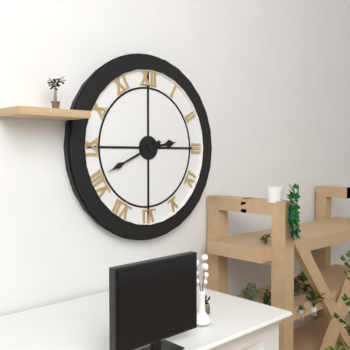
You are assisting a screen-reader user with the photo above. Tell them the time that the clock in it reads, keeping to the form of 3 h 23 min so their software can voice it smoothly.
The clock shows 2 h 41 min
